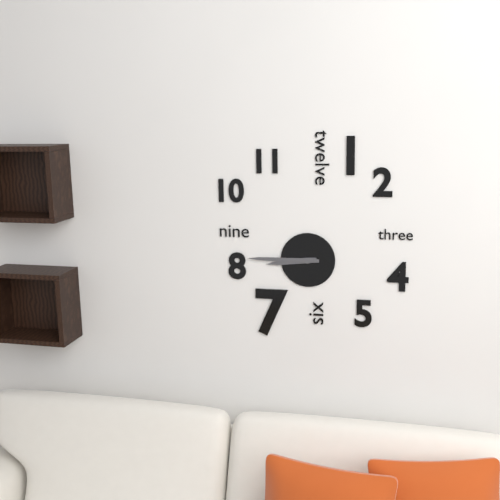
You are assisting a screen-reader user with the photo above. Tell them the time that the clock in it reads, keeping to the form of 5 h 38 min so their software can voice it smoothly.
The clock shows 8 h 45 min
